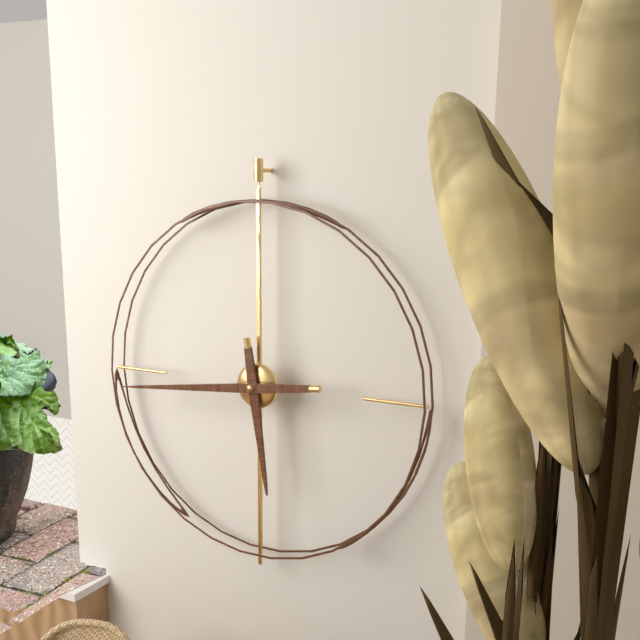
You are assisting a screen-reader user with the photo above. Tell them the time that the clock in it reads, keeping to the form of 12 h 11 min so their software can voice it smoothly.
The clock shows 5 h 44 min
